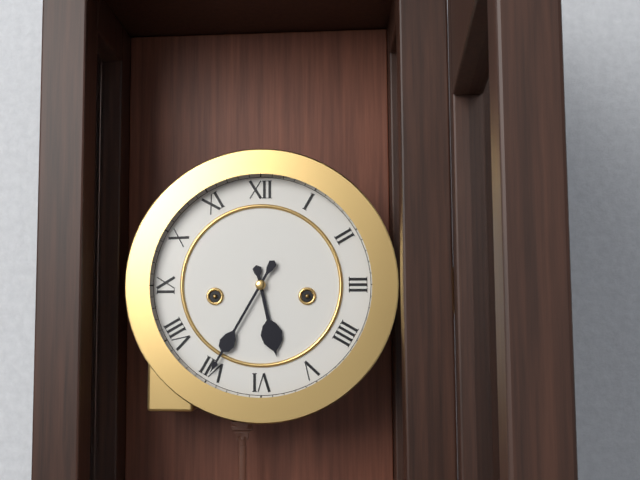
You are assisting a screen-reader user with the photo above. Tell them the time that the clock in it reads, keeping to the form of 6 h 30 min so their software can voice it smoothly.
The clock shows 5 h 35 min
